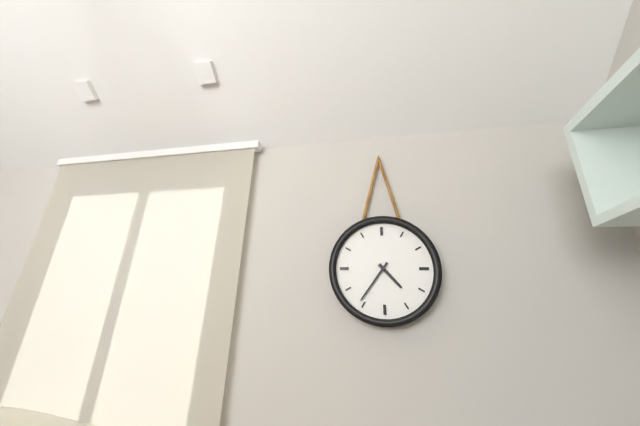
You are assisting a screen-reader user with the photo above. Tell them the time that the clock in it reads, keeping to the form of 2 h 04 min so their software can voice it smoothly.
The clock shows 4 h 36 min
